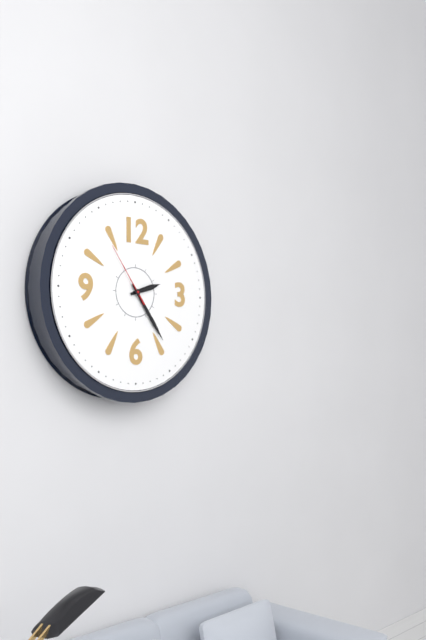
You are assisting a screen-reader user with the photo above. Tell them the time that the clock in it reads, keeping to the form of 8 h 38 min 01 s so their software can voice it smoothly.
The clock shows 2 h 24 min 54 s
